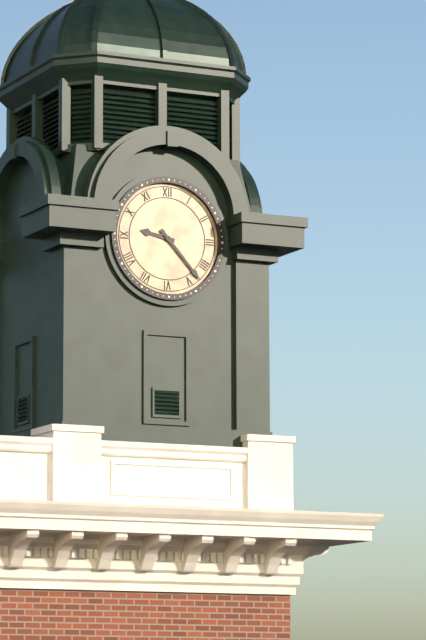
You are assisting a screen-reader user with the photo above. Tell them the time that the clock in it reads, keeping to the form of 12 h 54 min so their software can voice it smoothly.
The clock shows 9 h 23 min
